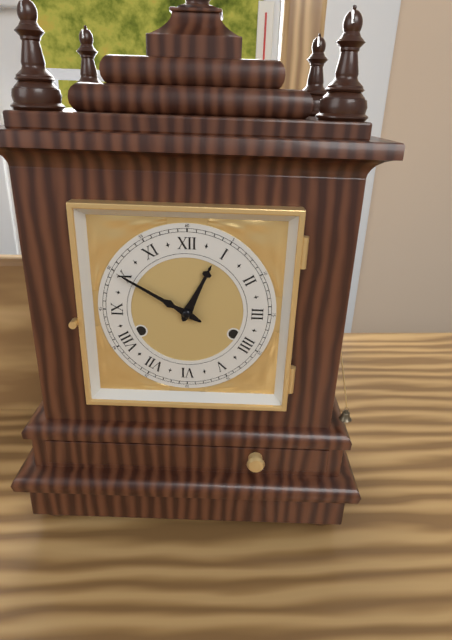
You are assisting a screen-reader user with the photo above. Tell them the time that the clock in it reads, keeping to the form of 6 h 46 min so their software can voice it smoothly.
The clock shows 12 h 50 min
